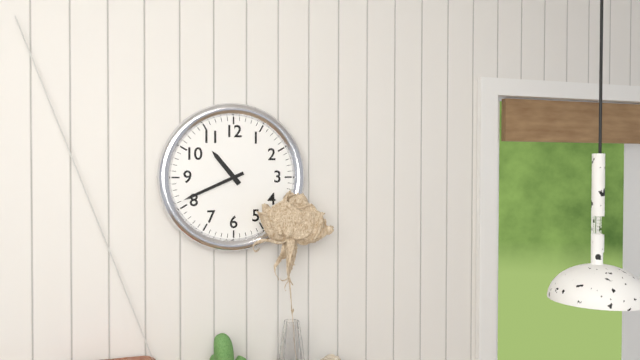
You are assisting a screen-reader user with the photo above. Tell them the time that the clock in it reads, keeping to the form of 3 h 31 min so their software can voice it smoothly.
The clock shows 10 h 41 min
